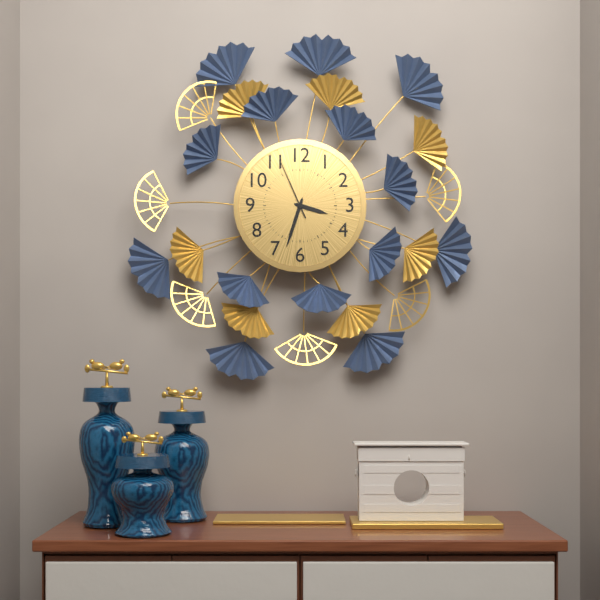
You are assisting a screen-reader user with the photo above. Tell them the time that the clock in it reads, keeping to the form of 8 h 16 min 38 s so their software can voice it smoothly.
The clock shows 3 h 33 min 56 s
